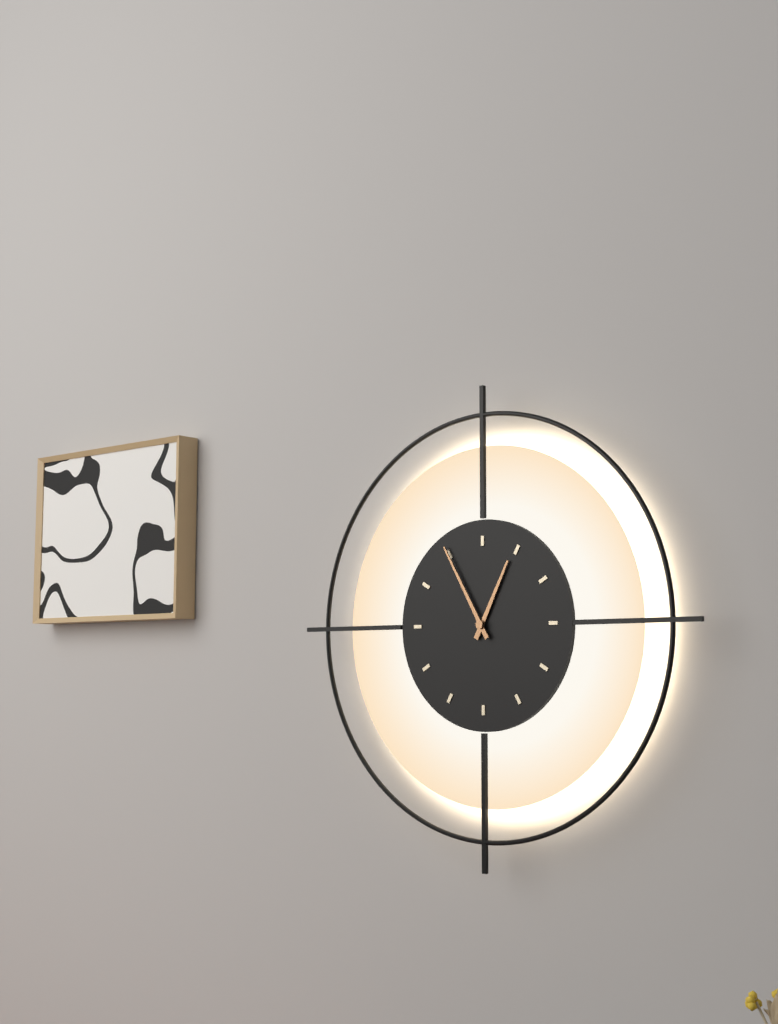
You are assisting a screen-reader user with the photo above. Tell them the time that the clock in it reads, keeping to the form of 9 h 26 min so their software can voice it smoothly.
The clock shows 12 h 55 min
